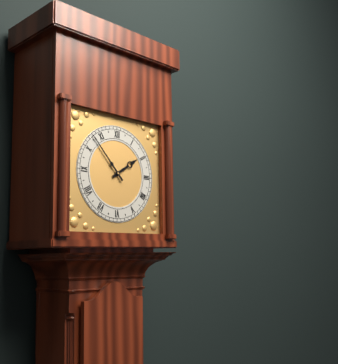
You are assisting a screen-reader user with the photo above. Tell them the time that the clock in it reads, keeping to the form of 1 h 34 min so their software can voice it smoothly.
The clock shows 1 h 53 min
